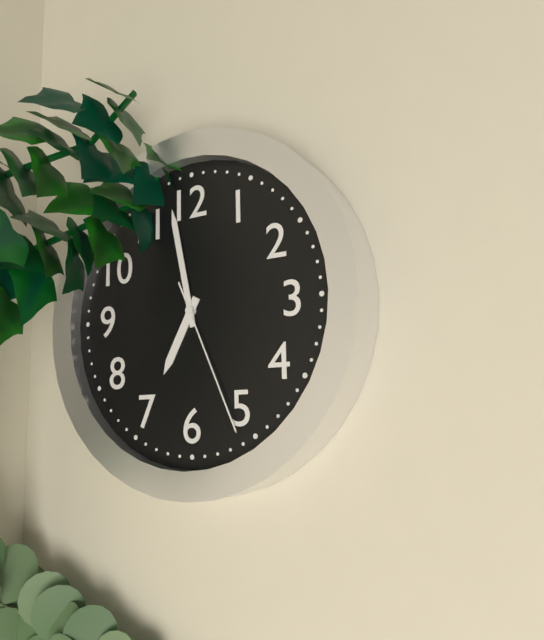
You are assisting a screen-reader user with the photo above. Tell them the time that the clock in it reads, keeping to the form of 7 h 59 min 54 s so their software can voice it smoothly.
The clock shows 6 h 58 min 26 s
